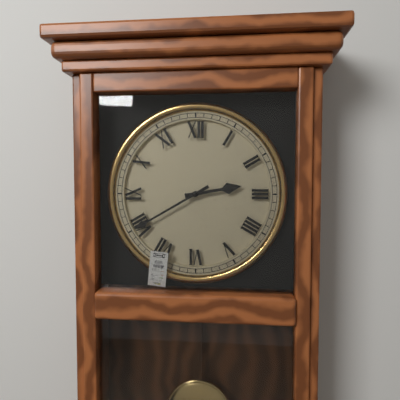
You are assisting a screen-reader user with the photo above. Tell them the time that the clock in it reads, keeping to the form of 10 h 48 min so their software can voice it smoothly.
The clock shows 2 h 40 min
